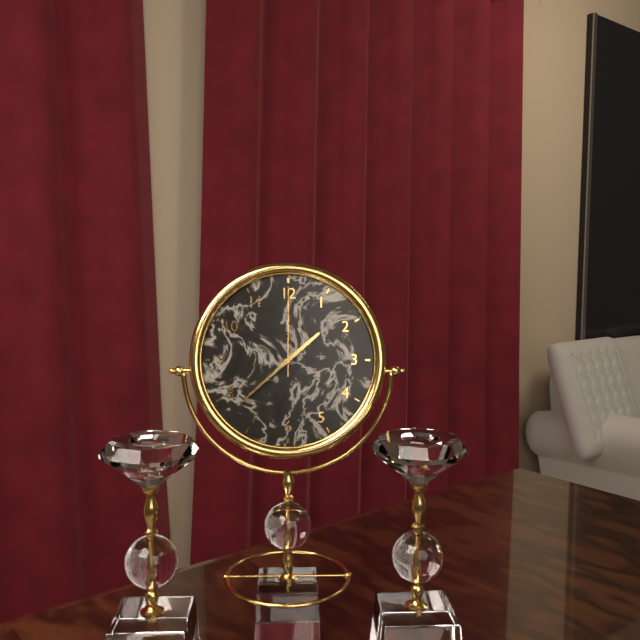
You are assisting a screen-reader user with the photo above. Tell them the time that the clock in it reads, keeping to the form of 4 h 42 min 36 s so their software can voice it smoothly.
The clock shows 1 h 38 min 00 s
